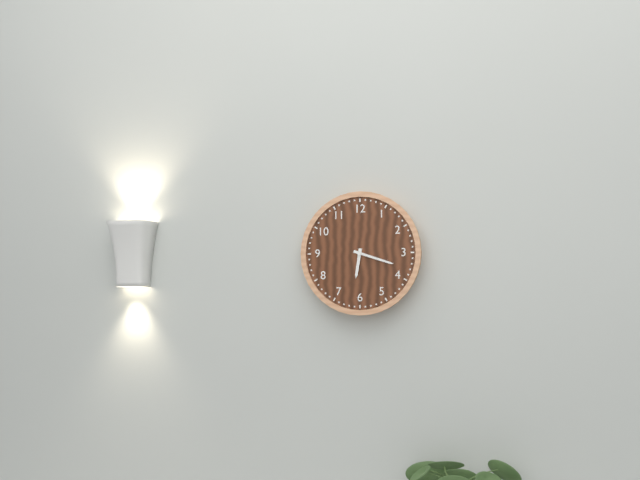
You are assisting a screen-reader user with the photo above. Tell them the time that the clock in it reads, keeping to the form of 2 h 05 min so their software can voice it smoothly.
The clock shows 6 h 18 min
